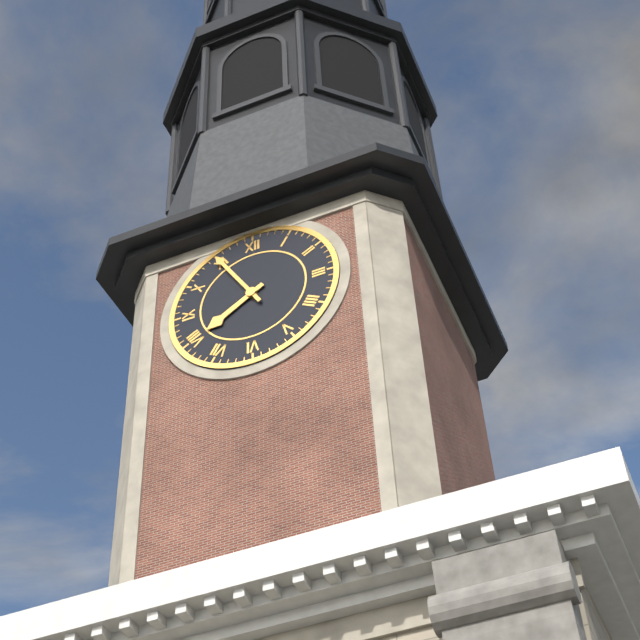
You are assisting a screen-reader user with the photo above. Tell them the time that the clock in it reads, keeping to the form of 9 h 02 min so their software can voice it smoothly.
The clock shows 7 h 55 min
